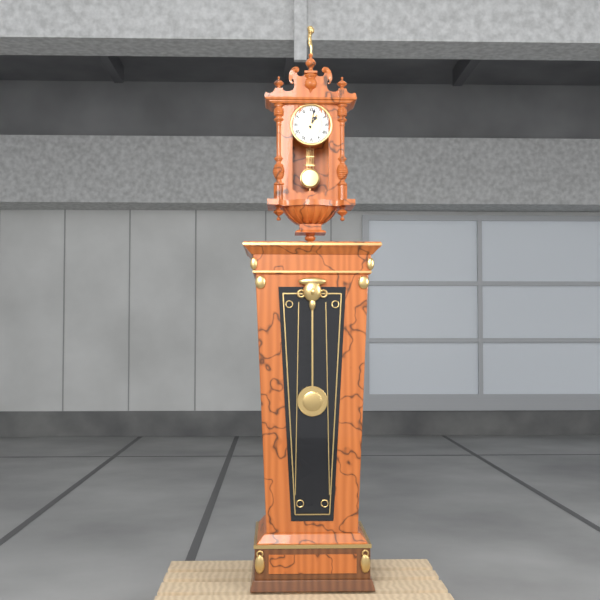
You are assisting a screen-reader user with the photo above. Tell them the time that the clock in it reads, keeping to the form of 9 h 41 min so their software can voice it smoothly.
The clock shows 1 h 02 min
